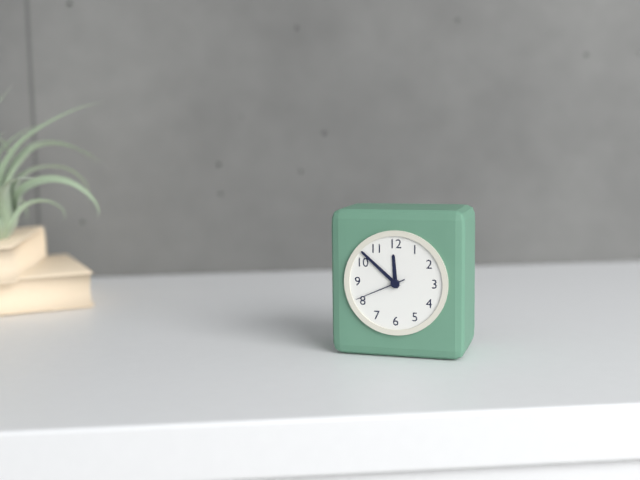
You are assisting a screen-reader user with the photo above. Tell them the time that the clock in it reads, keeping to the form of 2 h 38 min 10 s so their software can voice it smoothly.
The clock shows 11 h 52 min 41 s
